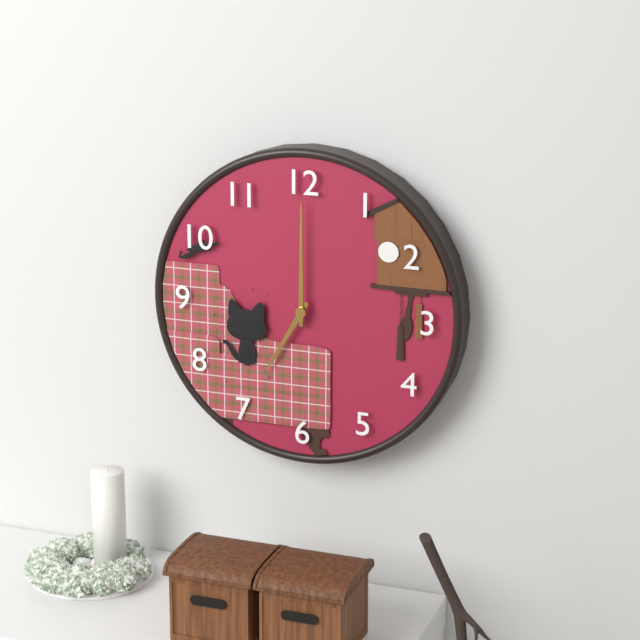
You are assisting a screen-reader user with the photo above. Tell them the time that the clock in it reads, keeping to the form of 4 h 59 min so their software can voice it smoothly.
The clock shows 7 h 00 min
